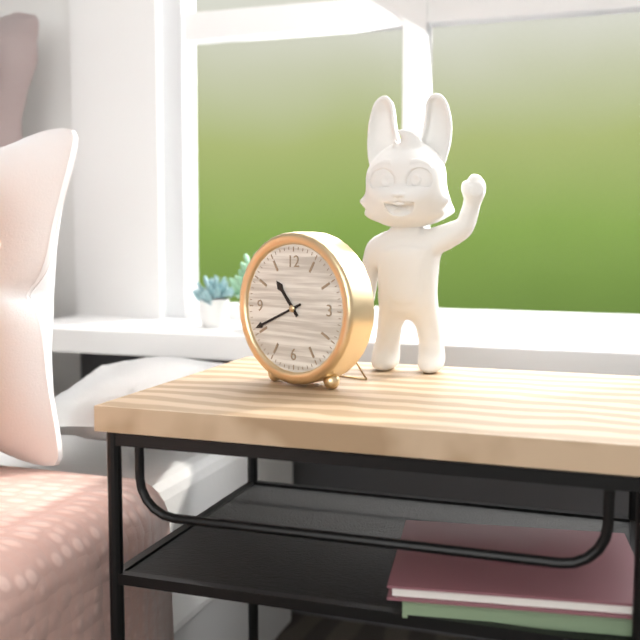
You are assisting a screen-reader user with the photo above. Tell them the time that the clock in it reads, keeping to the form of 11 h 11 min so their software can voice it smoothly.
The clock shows 10 h 41 min
